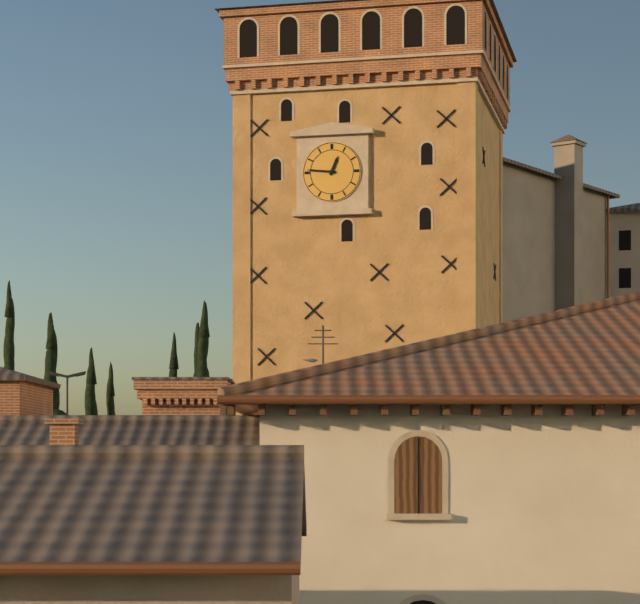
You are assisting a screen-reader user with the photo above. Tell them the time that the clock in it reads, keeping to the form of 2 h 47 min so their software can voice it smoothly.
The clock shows 12 h 46 min
